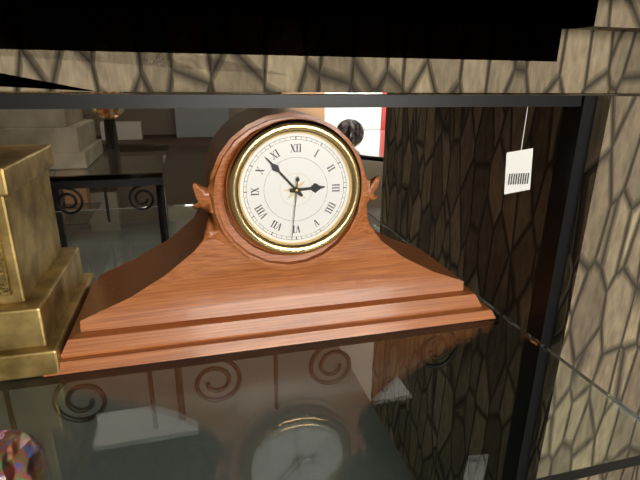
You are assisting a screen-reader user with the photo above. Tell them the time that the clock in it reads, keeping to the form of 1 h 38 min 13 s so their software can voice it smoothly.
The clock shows 2 h 53 min 31 s
